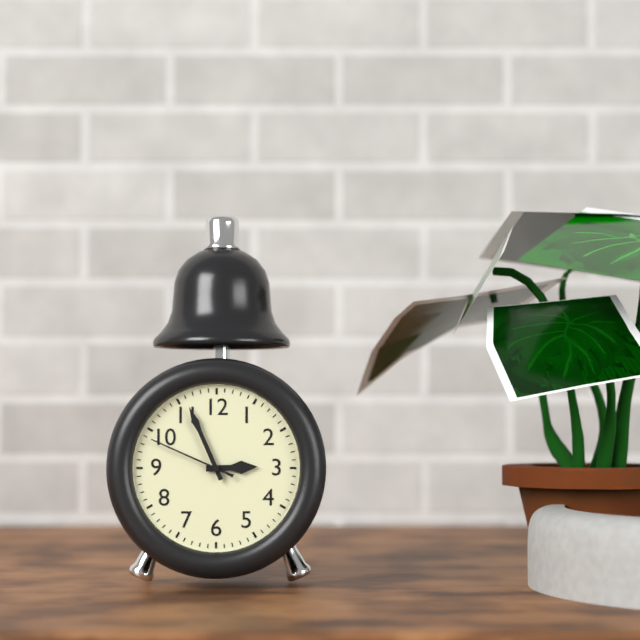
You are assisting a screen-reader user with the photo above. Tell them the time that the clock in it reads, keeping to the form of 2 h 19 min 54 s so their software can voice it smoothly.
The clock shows 2 h 56 min 49 s
